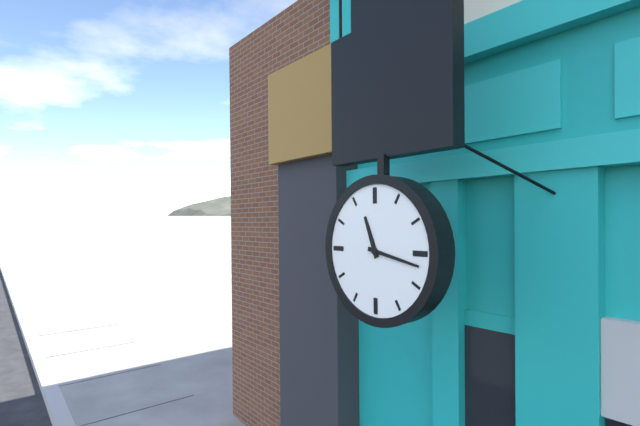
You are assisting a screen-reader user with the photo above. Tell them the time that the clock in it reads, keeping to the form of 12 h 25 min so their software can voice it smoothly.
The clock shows 11 h 17 min
